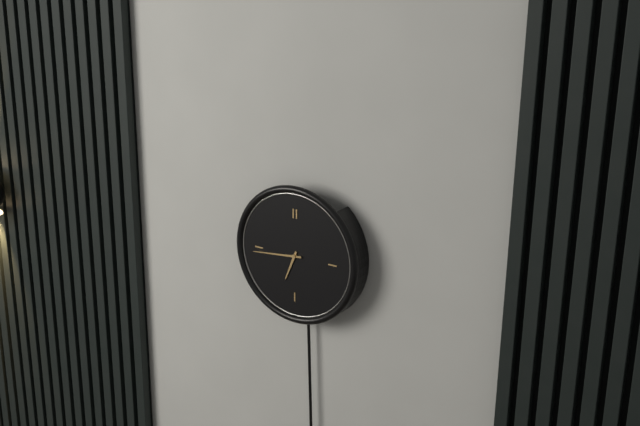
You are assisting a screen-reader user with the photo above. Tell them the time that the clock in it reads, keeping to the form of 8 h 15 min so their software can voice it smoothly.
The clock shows 6 h 44 min
